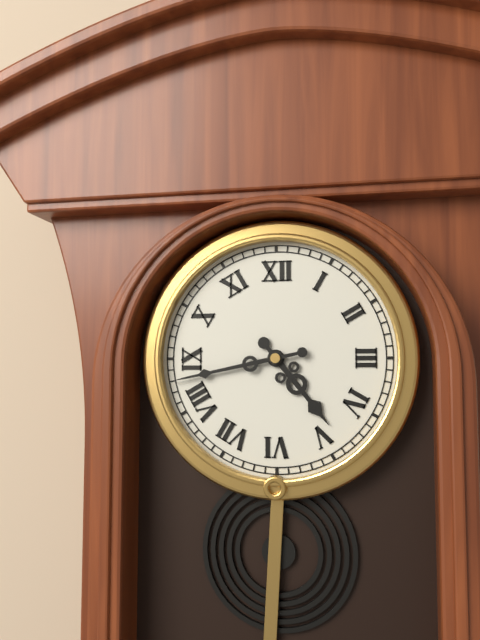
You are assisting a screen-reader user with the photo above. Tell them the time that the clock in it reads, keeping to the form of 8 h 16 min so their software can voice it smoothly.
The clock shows 4 h 43 min
